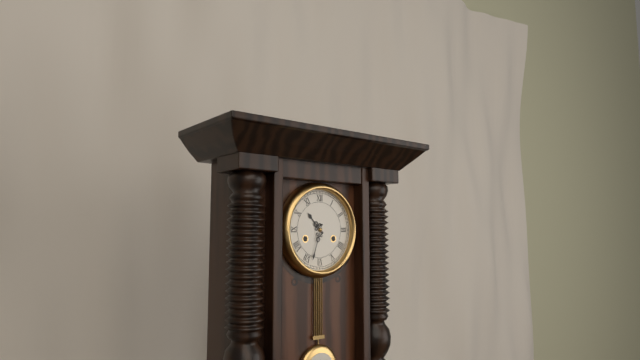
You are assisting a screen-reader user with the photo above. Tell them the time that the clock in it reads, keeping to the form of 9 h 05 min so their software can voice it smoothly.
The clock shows 10 h 33 min
